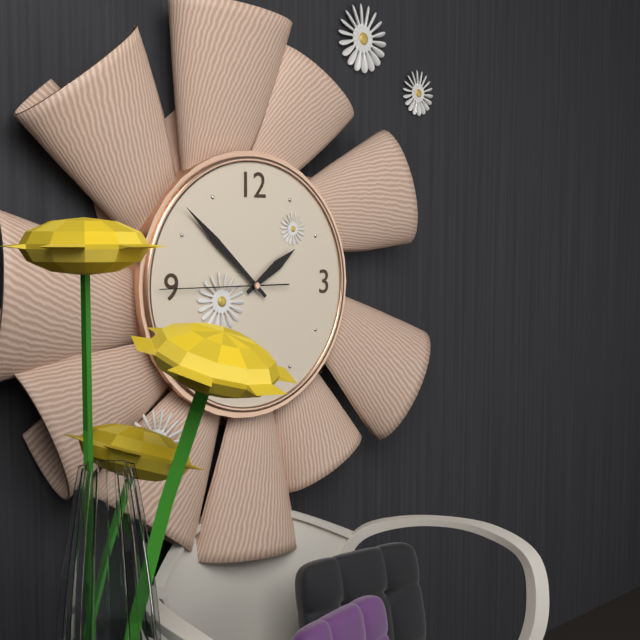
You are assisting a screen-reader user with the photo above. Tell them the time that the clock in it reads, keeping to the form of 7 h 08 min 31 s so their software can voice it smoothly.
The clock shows 1 h 52 min 45 s
